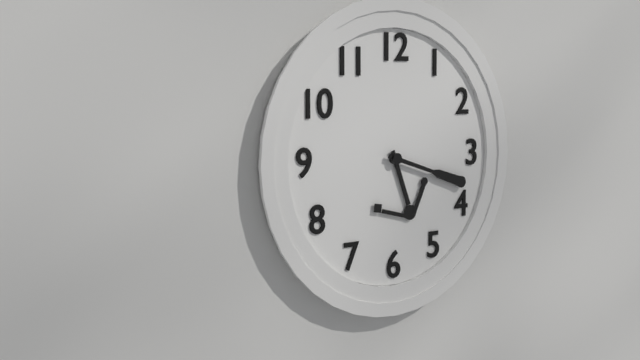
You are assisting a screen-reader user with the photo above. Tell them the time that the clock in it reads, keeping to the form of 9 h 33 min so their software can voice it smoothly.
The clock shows 5 h 18 min
